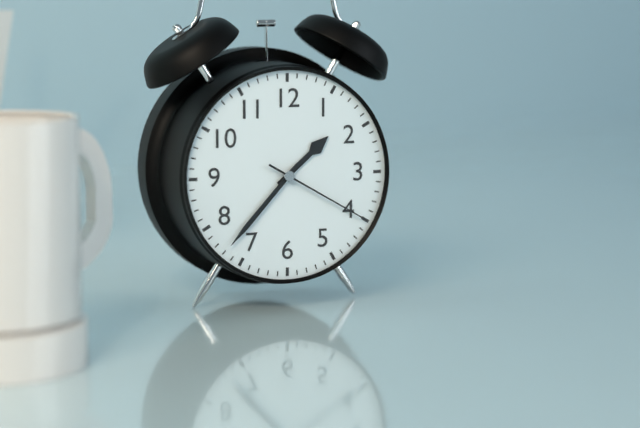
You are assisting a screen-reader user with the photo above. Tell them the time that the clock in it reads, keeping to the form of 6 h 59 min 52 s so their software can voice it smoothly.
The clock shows 1 h 37 min 20 s
